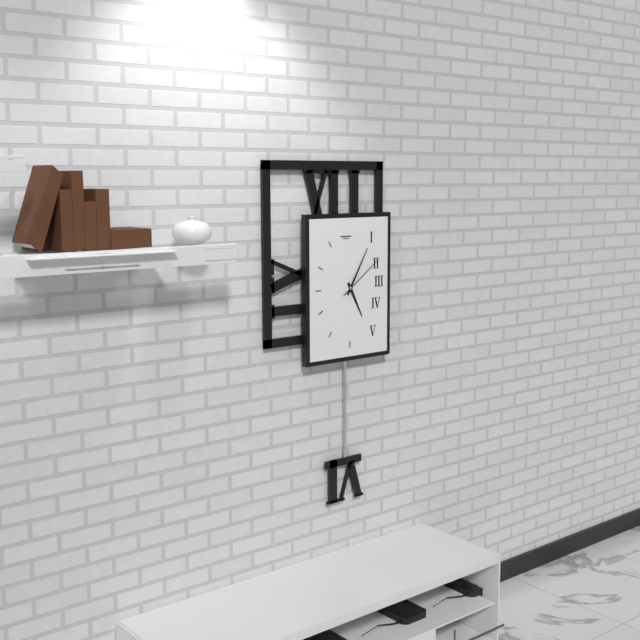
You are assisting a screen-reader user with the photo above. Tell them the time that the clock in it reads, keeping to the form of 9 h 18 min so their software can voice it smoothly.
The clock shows 5 h 05 min
